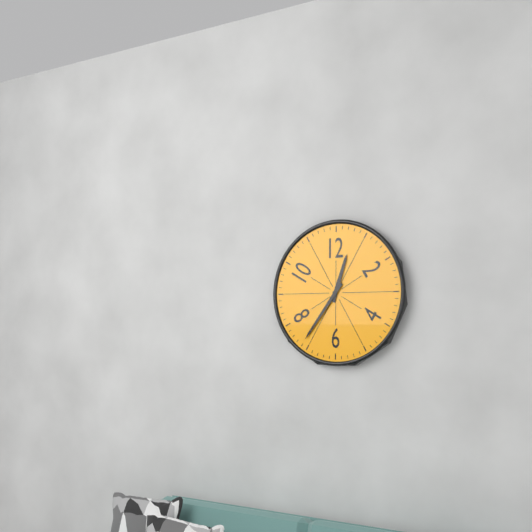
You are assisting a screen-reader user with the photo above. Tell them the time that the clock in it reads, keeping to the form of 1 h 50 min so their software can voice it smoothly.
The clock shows 12 h 36 min
